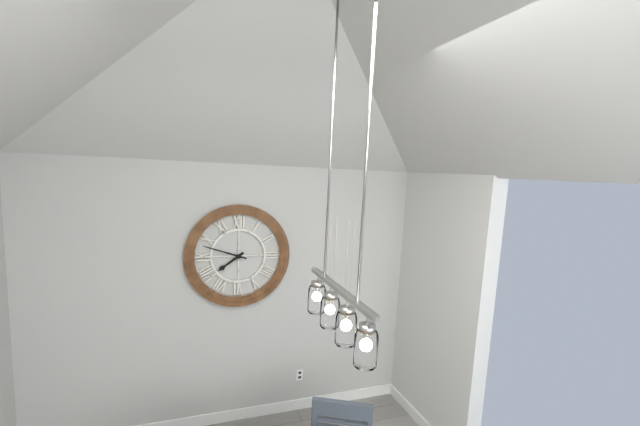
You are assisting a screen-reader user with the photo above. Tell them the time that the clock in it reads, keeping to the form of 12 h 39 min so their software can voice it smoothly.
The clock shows 7 h 48 min
